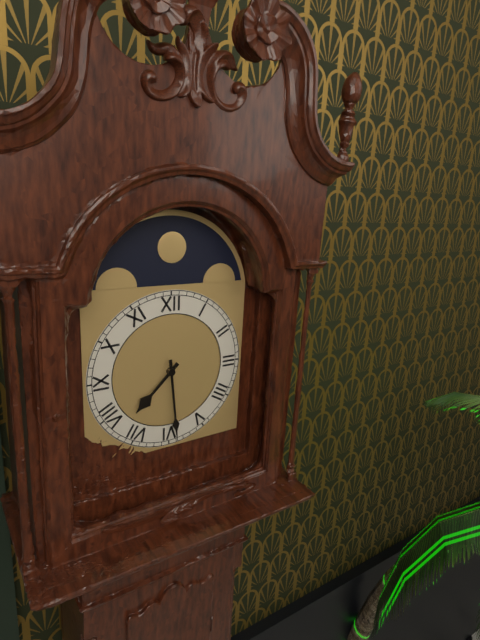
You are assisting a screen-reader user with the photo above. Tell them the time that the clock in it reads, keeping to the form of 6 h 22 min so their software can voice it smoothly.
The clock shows 7 h 29 min
